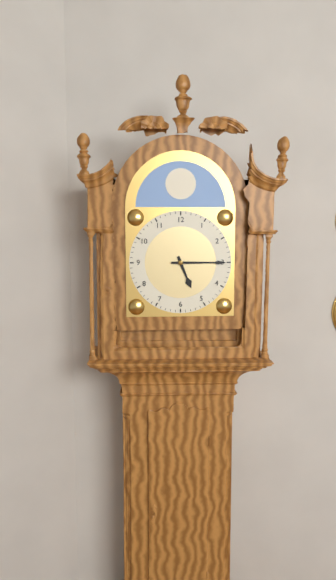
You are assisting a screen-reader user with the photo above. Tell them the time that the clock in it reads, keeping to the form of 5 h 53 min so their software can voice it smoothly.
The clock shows 5 h 15 min
